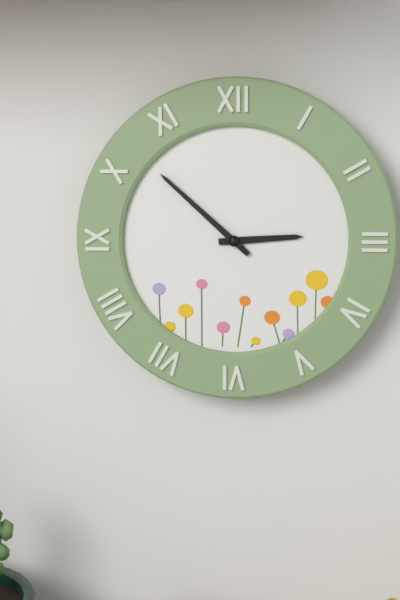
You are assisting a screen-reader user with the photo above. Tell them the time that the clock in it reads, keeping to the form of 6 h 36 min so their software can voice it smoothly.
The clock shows 2 h 52 min
